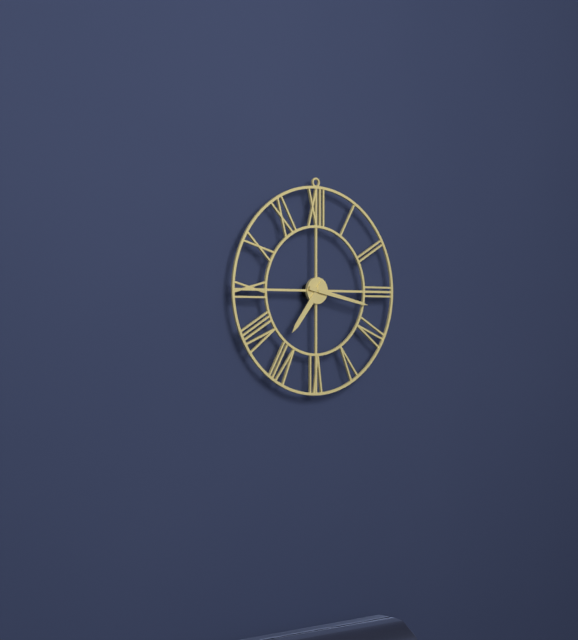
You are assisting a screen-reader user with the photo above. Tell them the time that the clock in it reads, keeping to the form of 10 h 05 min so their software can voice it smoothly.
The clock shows 7 h 17 min
